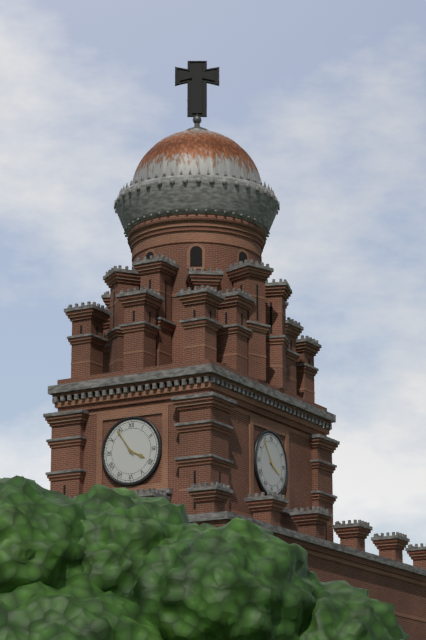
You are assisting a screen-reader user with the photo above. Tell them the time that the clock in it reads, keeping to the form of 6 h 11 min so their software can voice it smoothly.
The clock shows 3 h 54 min
